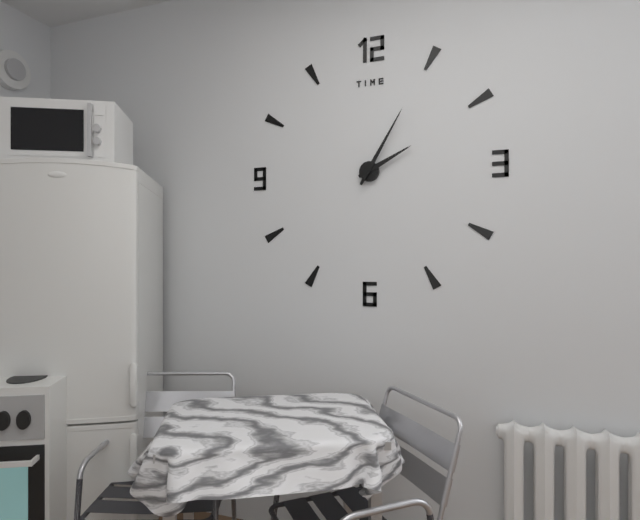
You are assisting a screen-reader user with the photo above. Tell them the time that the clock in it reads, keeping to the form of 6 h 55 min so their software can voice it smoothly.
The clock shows 2 h 05 min
